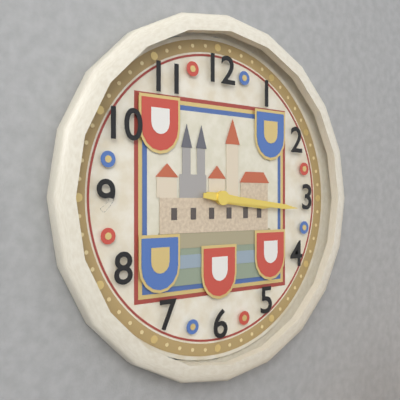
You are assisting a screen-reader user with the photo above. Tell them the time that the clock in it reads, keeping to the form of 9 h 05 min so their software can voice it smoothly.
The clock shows 3 h 16 min
